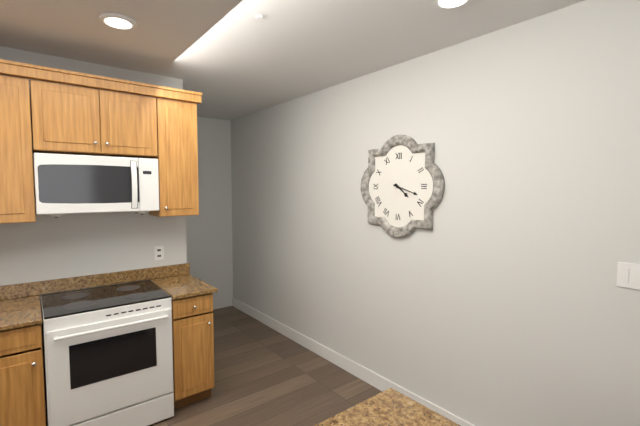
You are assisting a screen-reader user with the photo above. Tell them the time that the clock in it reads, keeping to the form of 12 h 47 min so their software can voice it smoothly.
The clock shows 4 h 18 min
